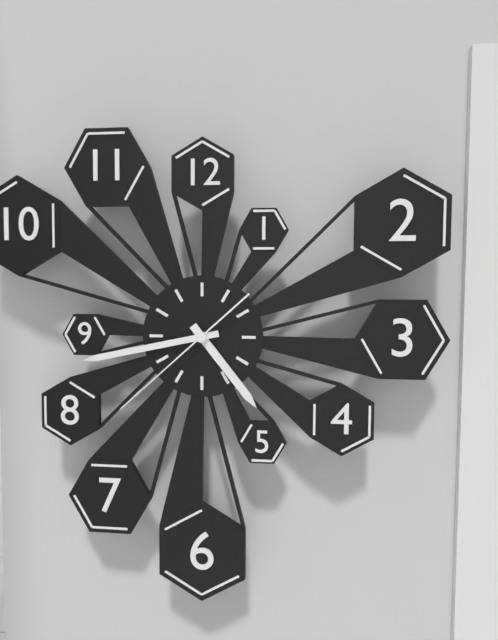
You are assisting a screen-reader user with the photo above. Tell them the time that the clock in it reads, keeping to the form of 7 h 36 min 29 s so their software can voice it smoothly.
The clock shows 4 h 43 min 38 s
